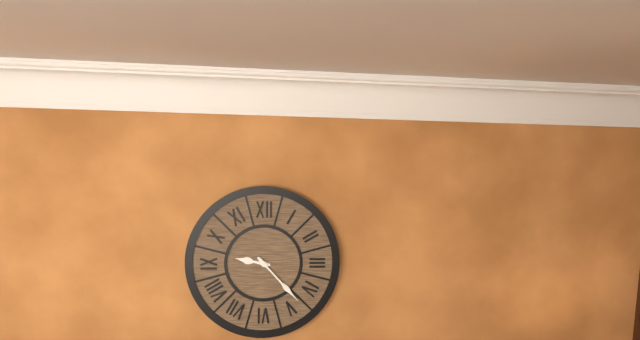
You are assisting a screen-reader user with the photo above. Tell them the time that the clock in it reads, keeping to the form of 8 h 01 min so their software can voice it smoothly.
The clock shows 9 h 23 min
